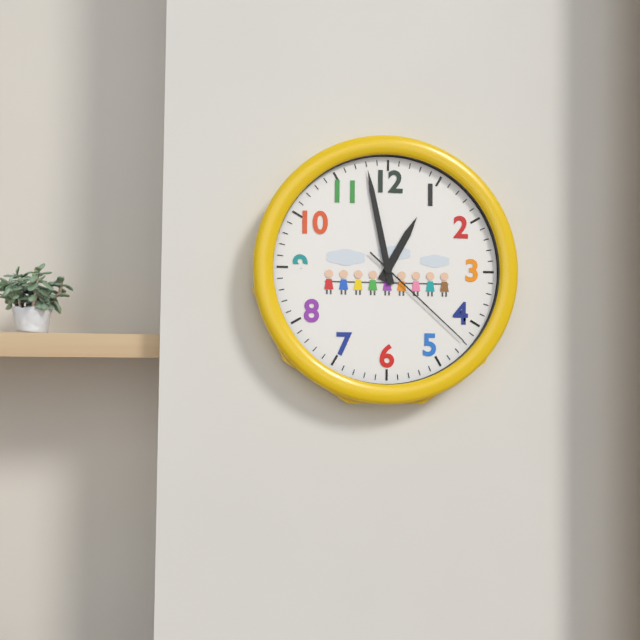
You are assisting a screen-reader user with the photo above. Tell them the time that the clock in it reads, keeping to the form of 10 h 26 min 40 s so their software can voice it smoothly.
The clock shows 12 h 58 min 22 s
